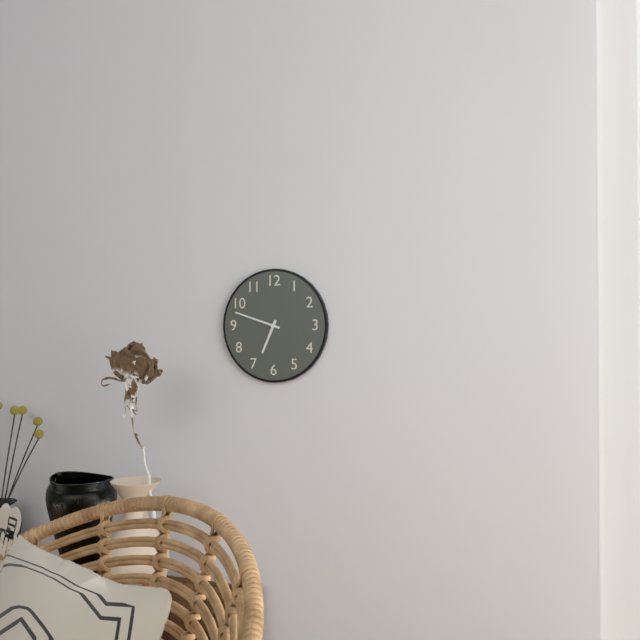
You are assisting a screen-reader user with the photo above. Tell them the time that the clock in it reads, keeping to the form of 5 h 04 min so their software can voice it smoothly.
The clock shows 6 h 48 min
